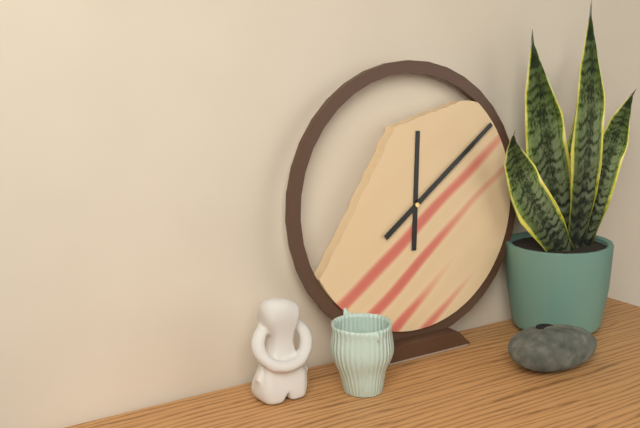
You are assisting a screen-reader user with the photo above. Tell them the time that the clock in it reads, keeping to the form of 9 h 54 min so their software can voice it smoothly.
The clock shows 12 h 09 min
